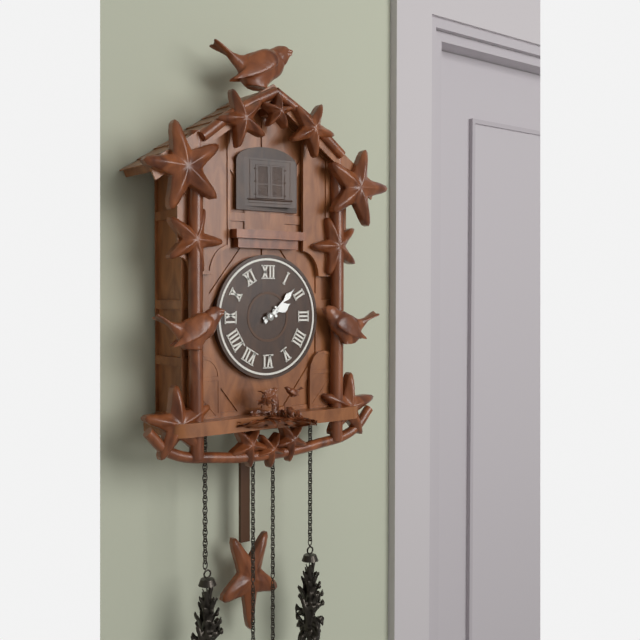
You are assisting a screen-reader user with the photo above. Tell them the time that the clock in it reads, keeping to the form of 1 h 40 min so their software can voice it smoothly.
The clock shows 2 h 08 min
